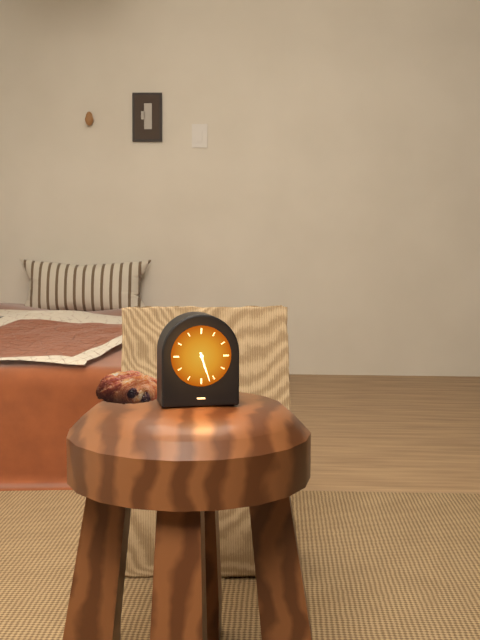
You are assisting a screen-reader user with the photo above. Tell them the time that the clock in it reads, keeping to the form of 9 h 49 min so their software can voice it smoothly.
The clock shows 5 h 27 min
